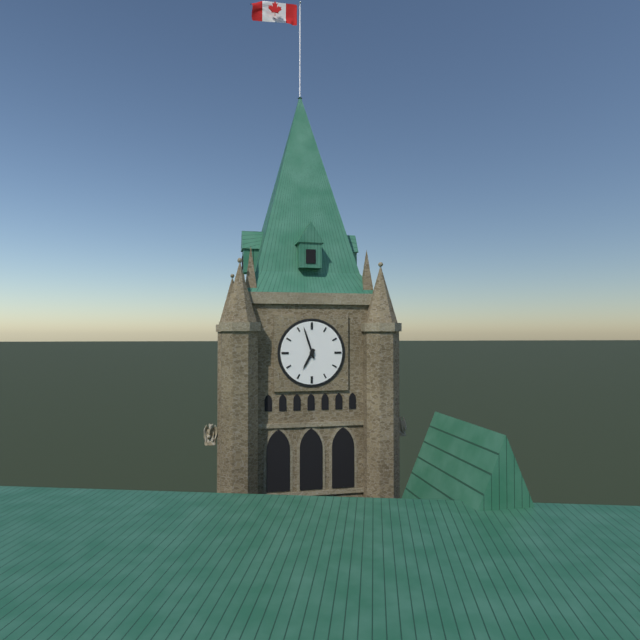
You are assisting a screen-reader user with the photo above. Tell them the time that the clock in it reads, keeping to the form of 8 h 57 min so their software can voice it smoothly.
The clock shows 6 h 57 min
